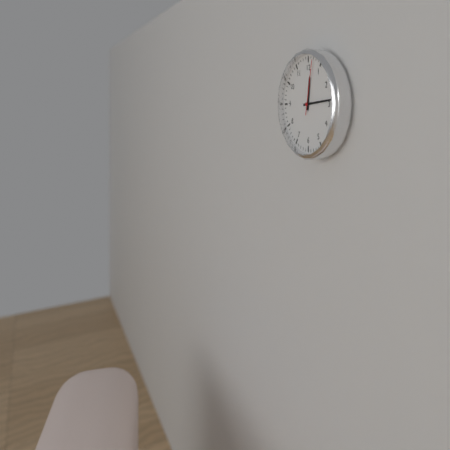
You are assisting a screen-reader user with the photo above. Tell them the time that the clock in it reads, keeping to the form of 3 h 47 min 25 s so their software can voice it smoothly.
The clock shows 12 h 14 min 02 s
